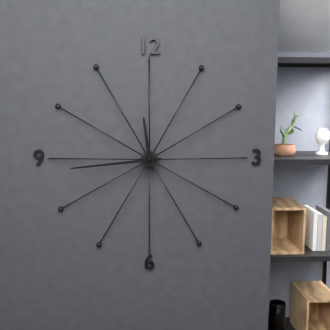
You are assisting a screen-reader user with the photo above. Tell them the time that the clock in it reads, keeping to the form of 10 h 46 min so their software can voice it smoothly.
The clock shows 11 h 44 min
